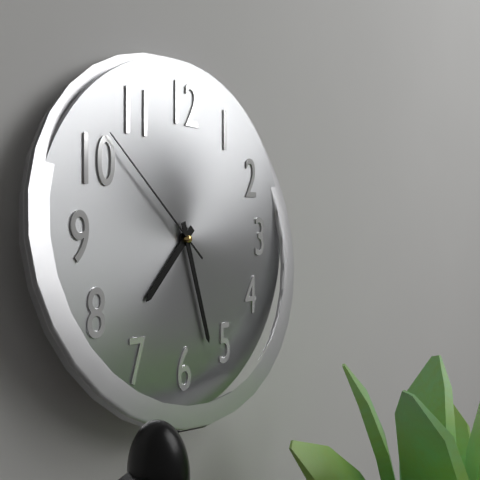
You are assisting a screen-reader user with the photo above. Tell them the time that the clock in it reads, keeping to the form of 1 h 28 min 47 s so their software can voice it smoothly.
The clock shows 7 h 27 min 52 s
